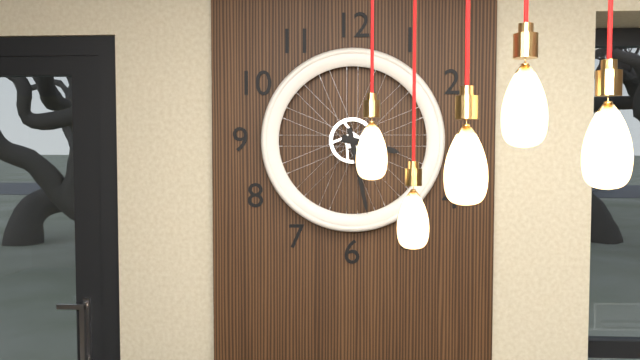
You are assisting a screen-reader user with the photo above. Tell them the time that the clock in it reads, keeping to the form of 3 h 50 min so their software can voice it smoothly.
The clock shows 3 h 28 min
